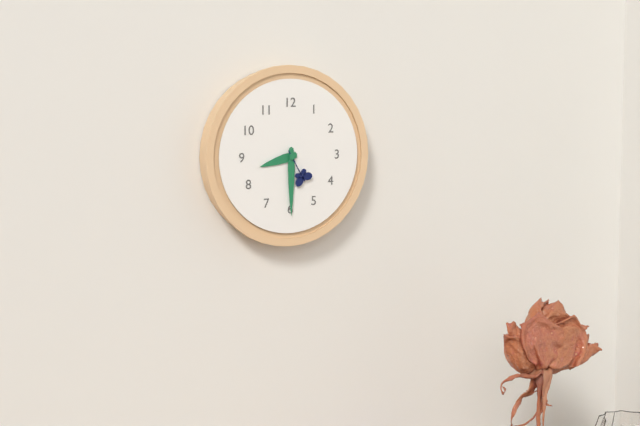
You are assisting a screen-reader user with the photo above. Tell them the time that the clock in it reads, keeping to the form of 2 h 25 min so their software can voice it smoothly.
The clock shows 8 h 30 min
